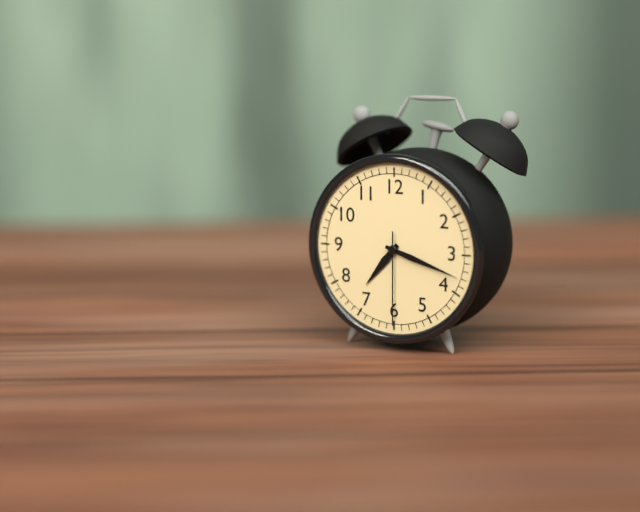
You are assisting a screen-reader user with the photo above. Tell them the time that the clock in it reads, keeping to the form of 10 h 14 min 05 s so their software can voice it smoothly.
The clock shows 7 h 18 min 30 s
